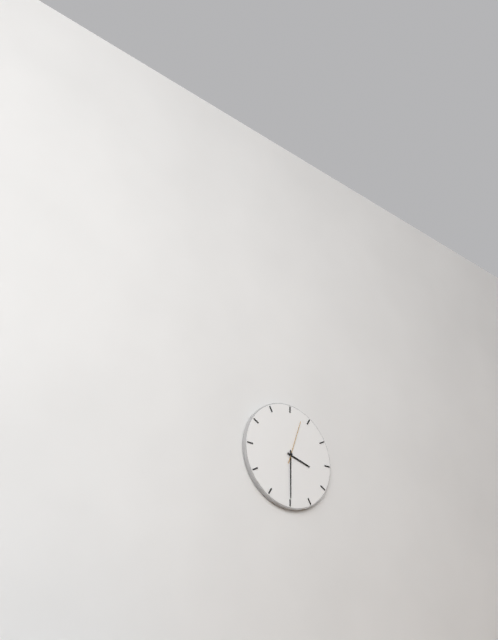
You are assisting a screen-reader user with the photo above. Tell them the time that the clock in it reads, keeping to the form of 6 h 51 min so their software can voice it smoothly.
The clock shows 3 h 30 min
